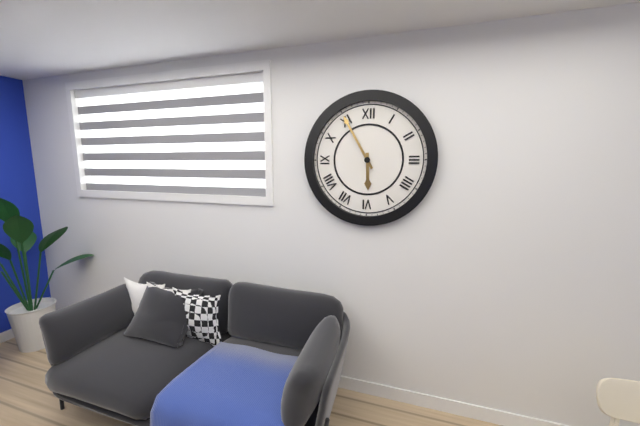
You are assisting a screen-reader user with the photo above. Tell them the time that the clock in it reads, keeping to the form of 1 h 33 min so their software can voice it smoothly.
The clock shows 5 h 55 min
